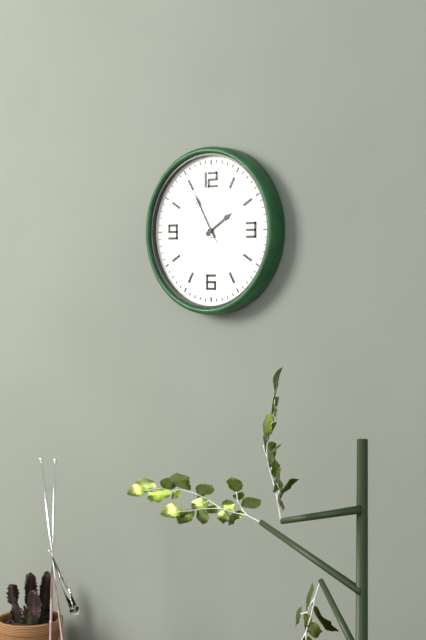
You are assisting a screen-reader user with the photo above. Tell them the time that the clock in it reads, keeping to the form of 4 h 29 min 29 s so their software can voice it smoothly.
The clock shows 1 h 55 min 55 s
